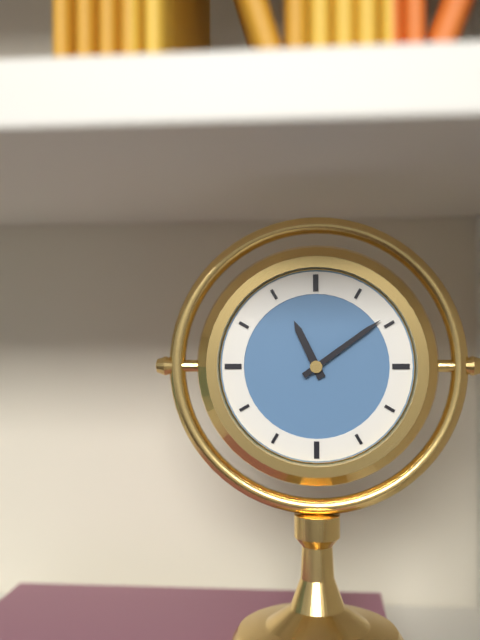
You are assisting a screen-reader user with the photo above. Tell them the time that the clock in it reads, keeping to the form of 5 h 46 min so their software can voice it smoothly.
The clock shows 11 h 09 min
